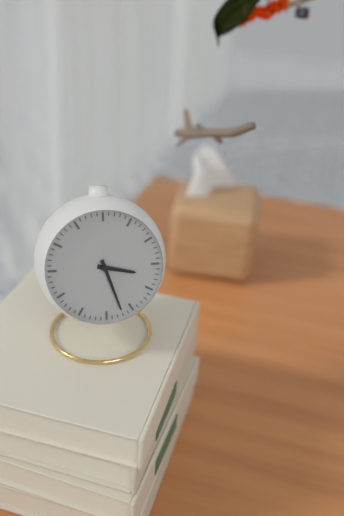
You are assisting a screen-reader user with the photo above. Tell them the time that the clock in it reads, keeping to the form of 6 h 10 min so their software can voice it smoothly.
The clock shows 3 h 27 min
